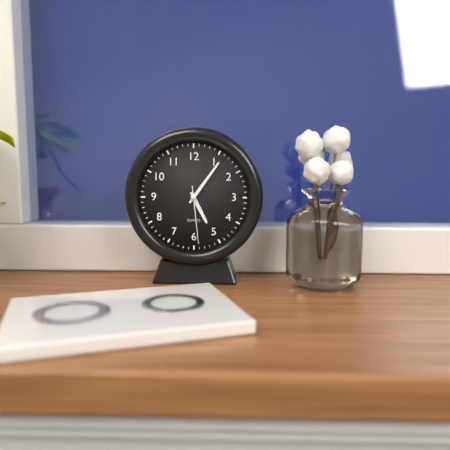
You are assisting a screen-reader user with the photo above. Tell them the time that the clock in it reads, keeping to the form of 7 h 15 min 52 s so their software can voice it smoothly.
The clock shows 5 h 06 min 29 s
